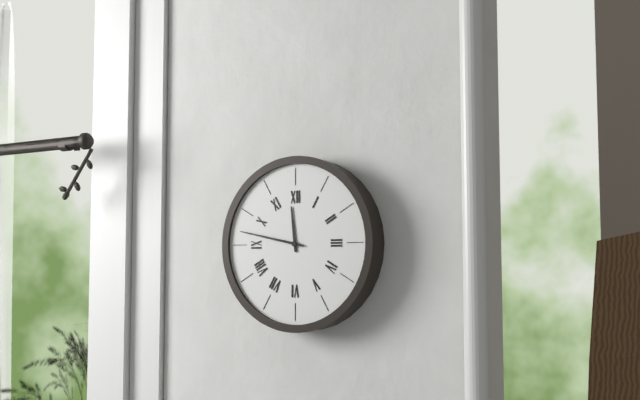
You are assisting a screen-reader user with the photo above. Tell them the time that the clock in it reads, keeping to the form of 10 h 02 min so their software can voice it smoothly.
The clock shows 11 h 47 min
